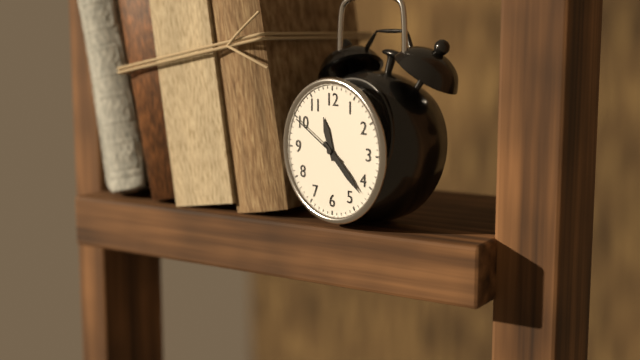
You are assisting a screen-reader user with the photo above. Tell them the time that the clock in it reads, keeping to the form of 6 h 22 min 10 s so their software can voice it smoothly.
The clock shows 11 h 22 min 50 s
